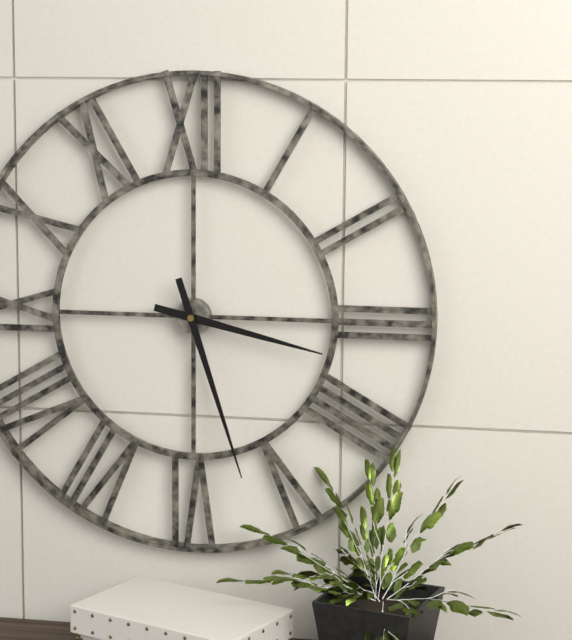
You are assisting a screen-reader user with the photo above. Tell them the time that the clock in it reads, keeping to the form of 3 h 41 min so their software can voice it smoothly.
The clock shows 3 h 27 min
